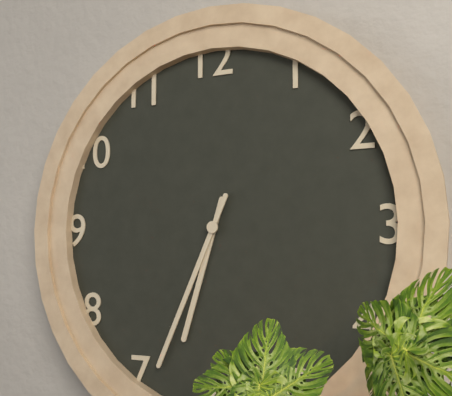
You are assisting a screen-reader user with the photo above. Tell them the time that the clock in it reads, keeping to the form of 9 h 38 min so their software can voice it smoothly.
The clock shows 6 h 34 min
